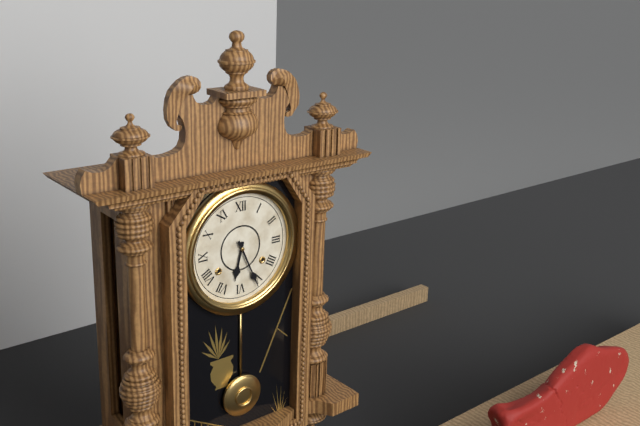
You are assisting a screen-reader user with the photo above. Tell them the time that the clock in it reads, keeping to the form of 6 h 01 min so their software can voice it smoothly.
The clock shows 6 h 26 min
